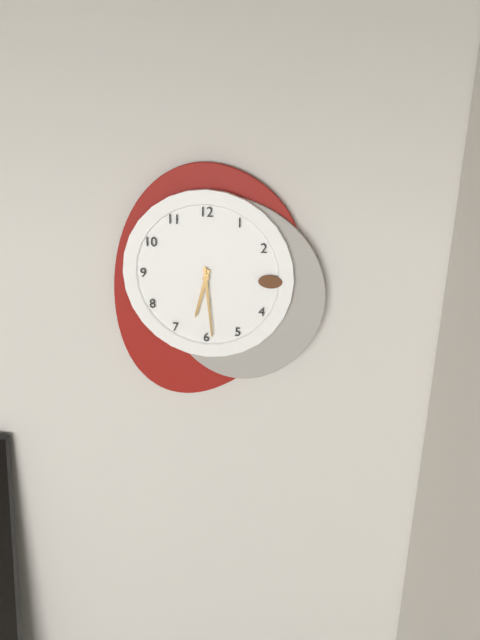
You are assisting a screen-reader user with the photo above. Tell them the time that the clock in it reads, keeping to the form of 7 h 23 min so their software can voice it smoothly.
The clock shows 6 h 29 min
